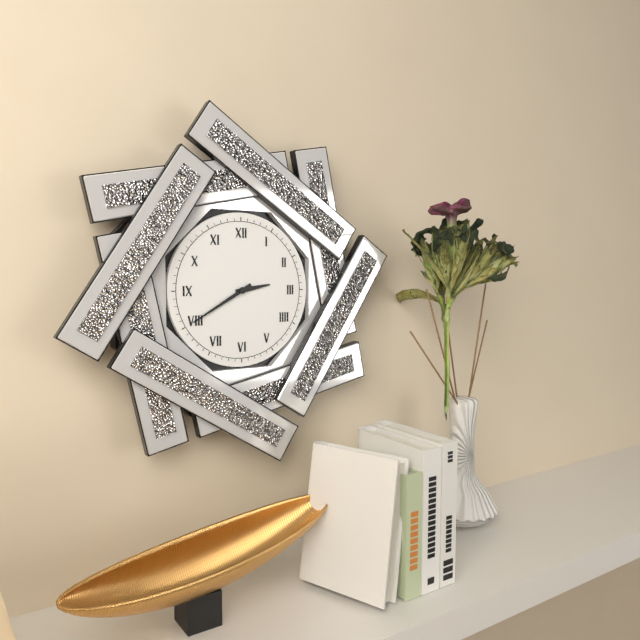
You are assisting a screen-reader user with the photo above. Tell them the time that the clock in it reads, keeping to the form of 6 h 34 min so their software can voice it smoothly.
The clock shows 2 h 40 min
